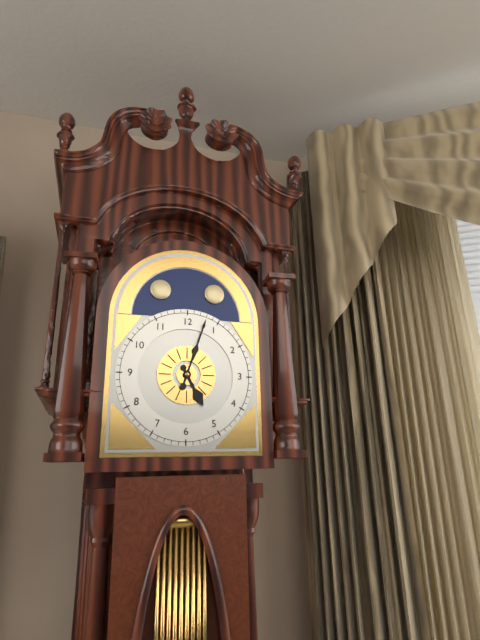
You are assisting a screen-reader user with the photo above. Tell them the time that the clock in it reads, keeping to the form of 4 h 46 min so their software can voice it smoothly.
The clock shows 5 h 03 min
